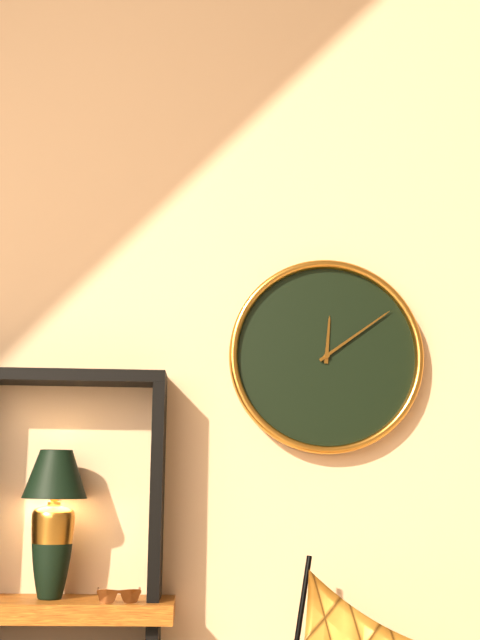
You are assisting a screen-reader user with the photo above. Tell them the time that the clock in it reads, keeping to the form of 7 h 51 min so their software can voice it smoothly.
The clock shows 12 h 09 min
